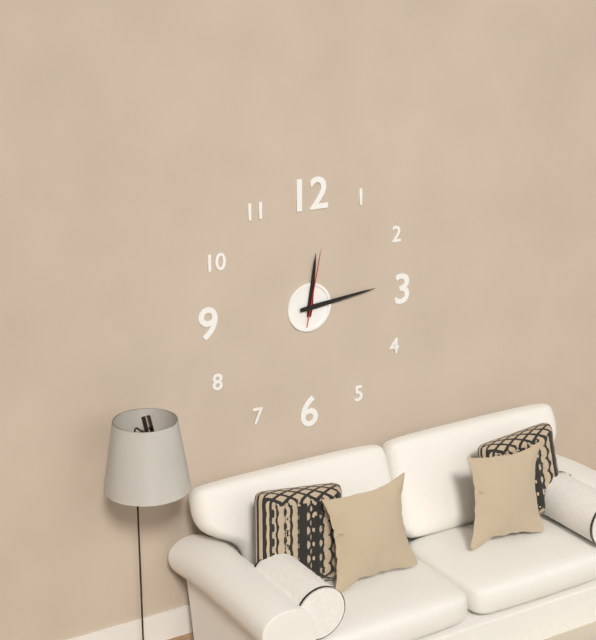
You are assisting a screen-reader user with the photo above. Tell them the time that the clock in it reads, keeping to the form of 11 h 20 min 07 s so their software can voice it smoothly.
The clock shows 12 h 14 min 02 s
